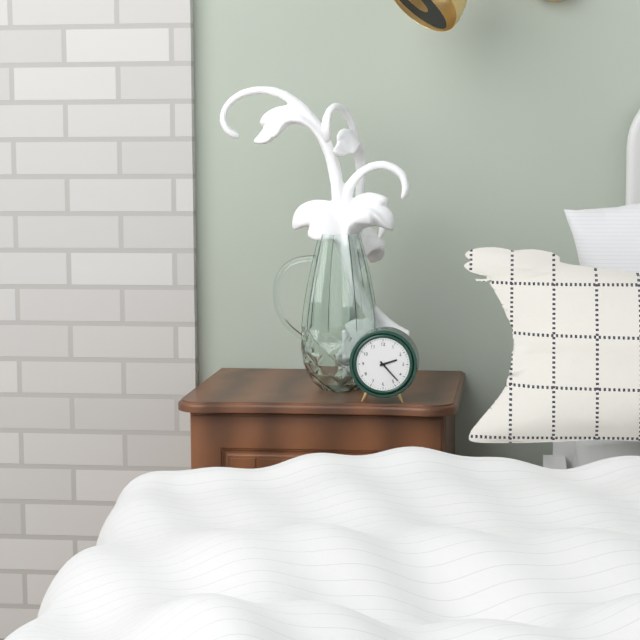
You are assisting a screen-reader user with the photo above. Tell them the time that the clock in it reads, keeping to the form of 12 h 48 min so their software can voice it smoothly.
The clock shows 2 h 23 min
